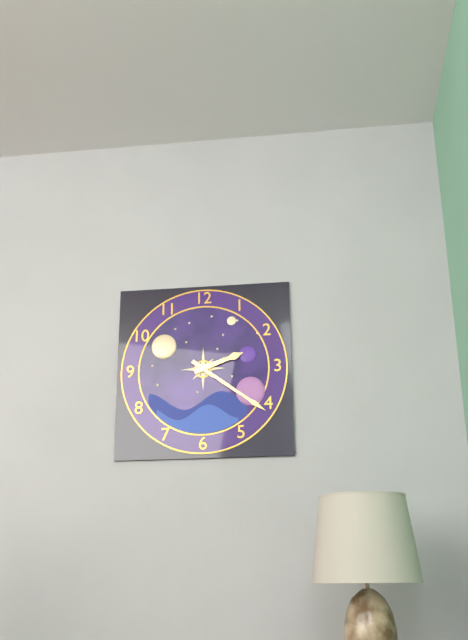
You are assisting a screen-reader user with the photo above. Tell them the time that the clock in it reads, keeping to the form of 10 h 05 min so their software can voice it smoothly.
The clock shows 2 h 21 min
